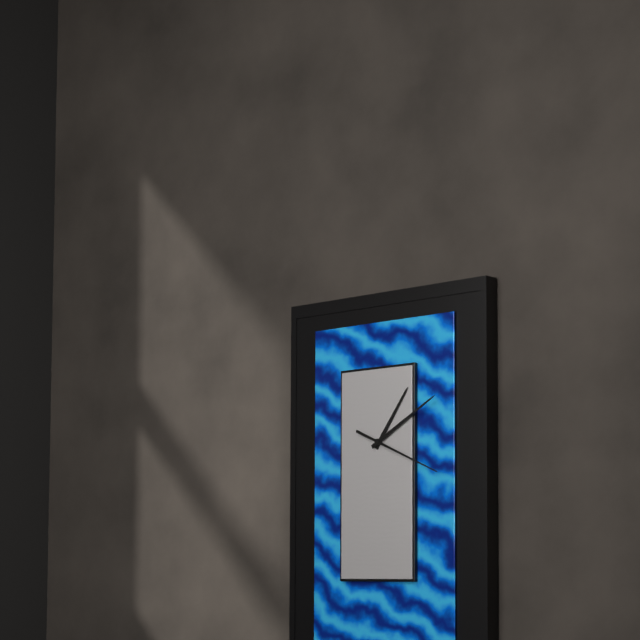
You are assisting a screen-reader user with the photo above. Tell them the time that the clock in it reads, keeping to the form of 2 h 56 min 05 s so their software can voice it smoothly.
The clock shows 1 h 10 min 19 s
